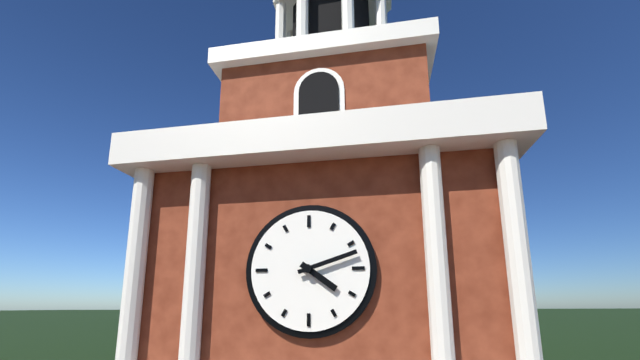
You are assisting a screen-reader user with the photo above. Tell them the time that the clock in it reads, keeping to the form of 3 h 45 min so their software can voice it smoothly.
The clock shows 4 h 12 min
